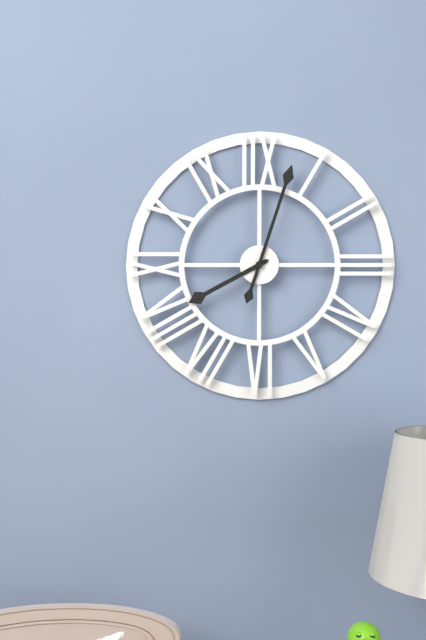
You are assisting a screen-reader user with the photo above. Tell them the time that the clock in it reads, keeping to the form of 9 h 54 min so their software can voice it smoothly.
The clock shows 8 h 03 min
